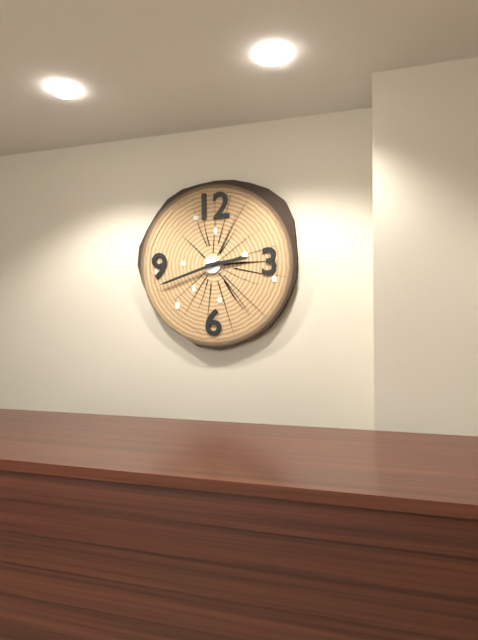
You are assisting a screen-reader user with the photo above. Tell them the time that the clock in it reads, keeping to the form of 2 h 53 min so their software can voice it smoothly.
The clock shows 2 h 42 min
